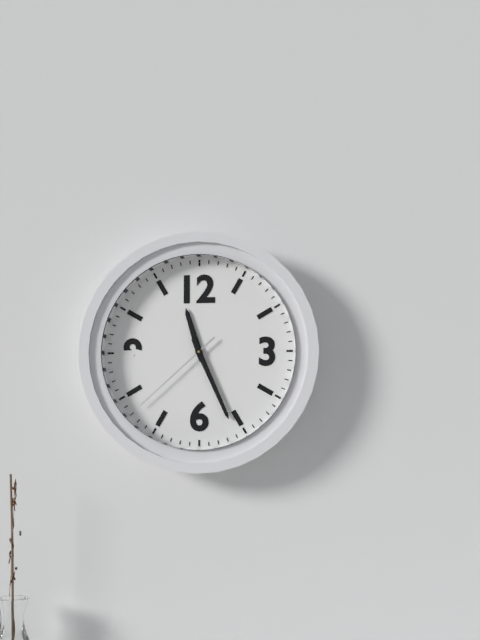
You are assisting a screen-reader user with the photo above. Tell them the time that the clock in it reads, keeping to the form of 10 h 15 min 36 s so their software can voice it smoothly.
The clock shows 11 h 26 min 38 s
